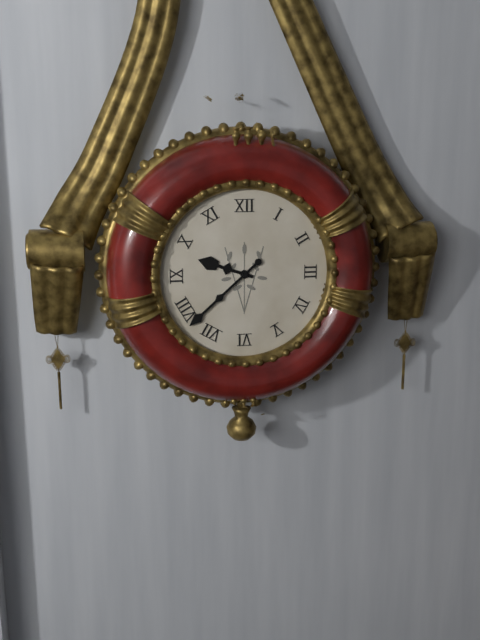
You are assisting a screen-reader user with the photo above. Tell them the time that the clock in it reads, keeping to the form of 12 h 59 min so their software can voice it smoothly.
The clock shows 9 h 38 min
